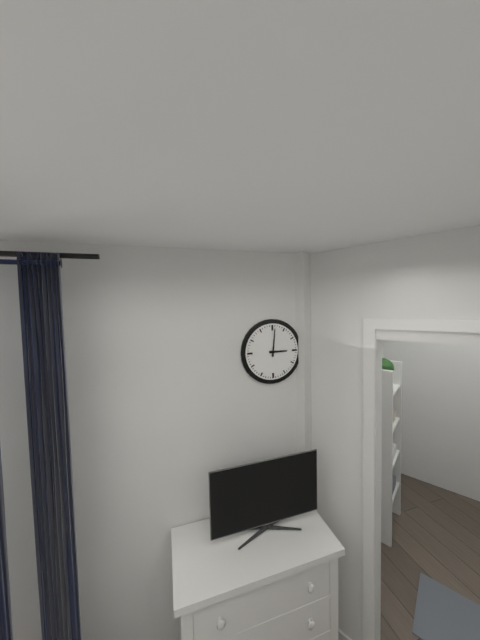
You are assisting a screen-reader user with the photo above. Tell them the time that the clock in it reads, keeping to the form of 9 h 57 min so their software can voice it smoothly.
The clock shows 3 h 01 min
